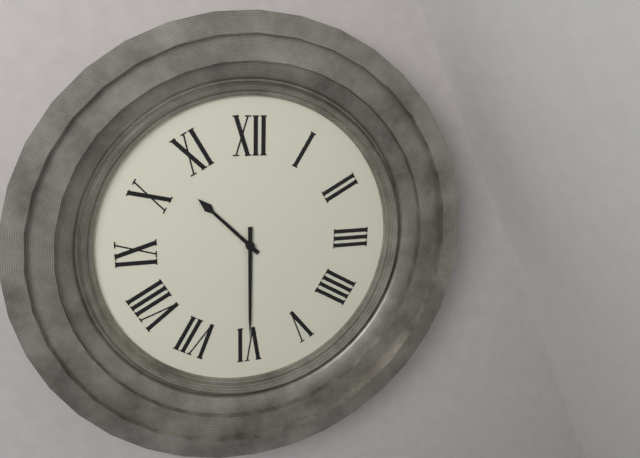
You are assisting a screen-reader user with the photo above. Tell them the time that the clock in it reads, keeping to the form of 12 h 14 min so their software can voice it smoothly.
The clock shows 10 h 30 min
